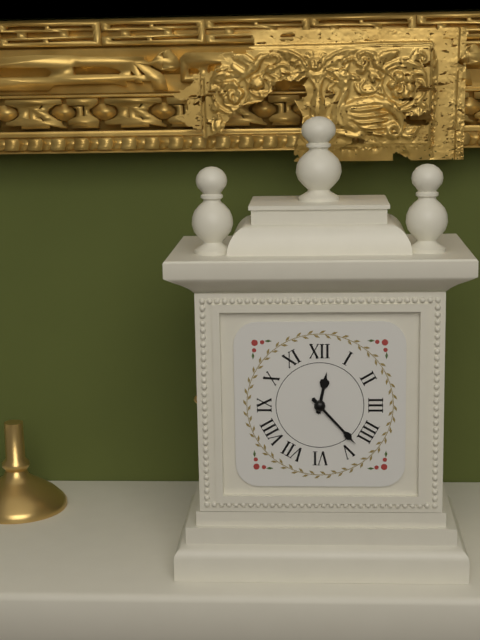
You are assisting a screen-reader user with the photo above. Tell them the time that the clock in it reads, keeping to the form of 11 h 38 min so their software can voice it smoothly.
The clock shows 12 h 23 min
